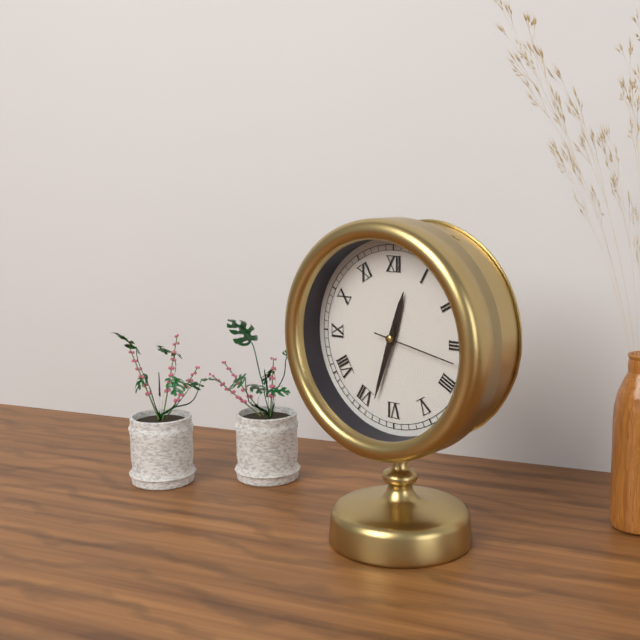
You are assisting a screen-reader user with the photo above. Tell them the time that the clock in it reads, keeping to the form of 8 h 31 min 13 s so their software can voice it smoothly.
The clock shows 12 h 33 min 17 s
